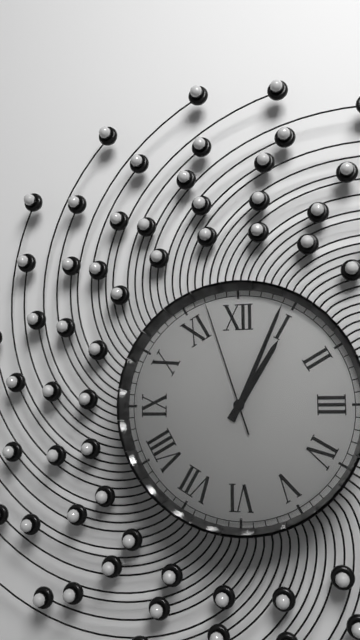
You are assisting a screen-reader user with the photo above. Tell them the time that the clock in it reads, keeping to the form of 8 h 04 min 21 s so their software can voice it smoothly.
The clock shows 1 h 04 min 57 s
